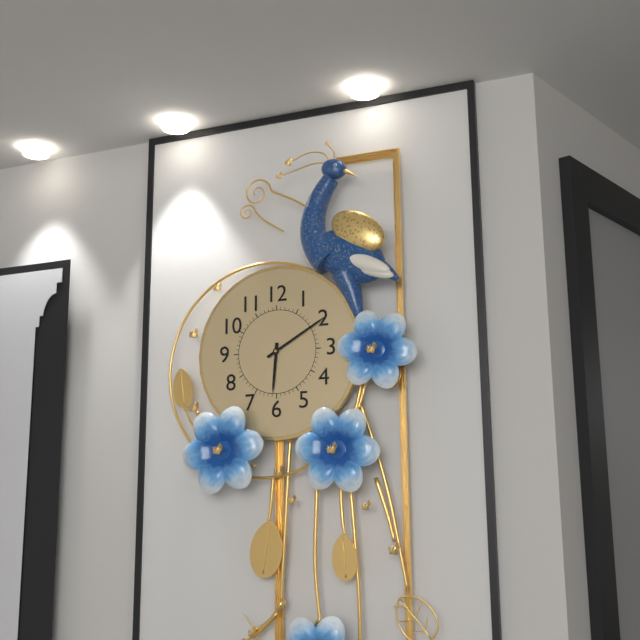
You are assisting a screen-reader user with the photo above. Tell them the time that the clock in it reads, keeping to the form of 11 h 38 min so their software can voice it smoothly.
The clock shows 6 h 10 min
